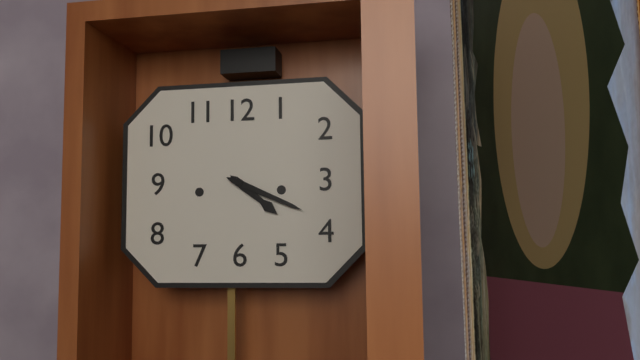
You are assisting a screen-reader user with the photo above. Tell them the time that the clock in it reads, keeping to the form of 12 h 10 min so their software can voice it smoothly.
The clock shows 4 h 19 min
